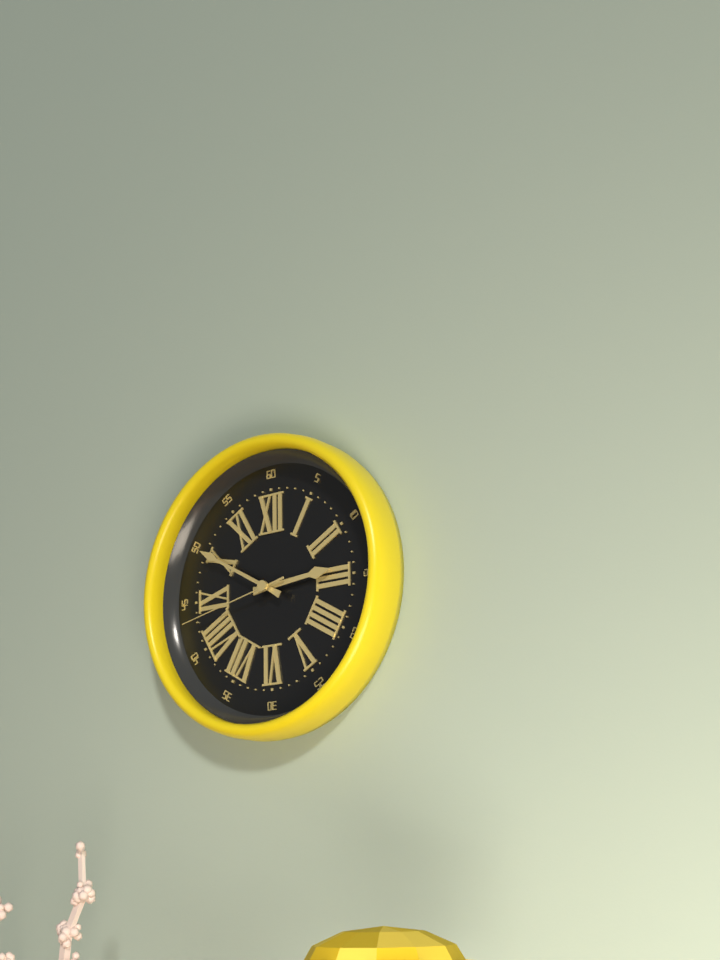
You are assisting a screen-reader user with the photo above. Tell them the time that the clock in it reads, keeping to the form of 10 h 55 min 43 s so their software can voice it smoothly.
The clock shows 2 h 50 min 43 s
